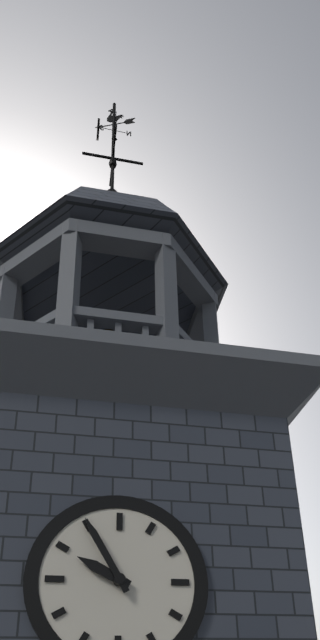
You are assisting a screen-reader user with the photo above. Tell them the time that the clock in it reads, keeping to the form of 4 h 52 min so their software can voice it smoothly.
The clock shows 9 h 55 min
